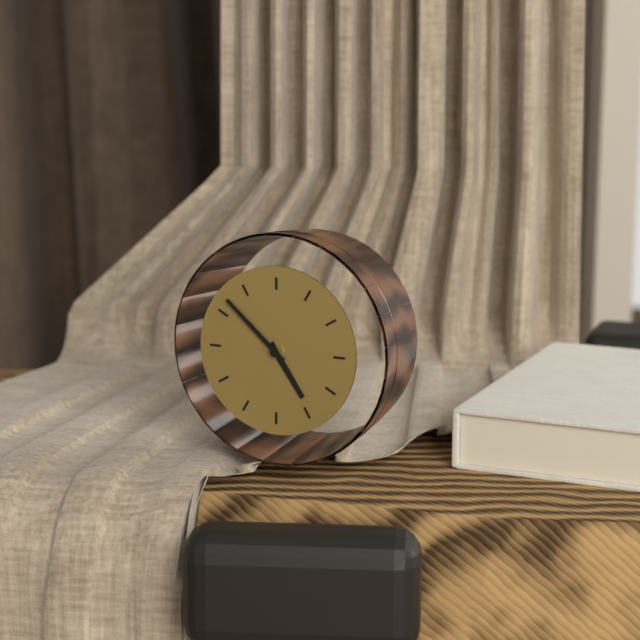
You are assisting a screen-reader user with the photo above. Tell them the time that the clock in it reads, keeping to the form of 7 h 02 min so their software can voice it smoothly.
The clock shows 4 h 52 min
